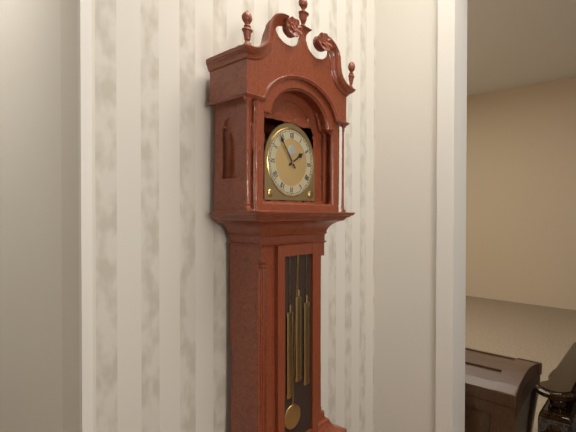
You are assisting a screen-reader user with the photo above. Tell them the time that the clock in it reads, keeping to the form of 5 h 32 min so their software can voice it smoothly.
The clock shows 1 h 54 min
